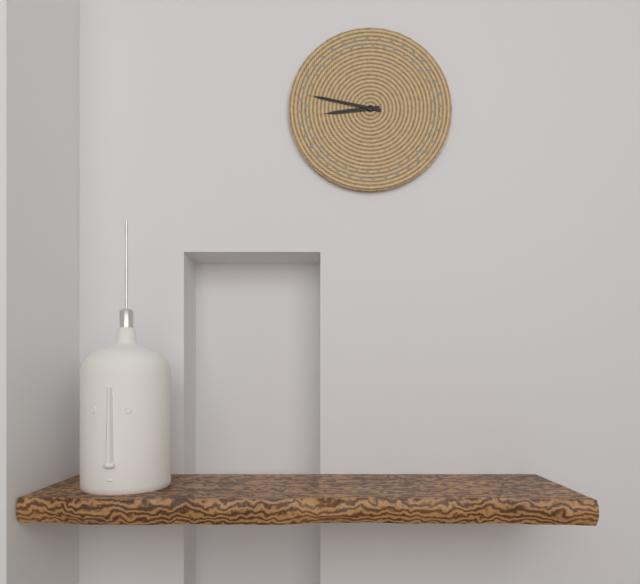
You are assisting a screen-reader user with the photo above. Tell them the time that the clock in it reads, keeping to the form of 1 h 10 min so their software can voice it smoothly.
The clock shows 8 h 47 min
